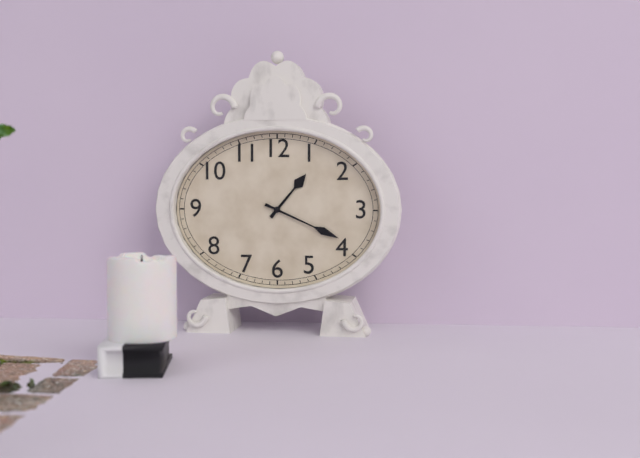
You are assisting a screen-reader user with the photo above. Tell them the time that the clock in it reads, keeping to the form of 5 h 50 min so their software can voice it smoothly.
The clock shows 1 h 19 min
